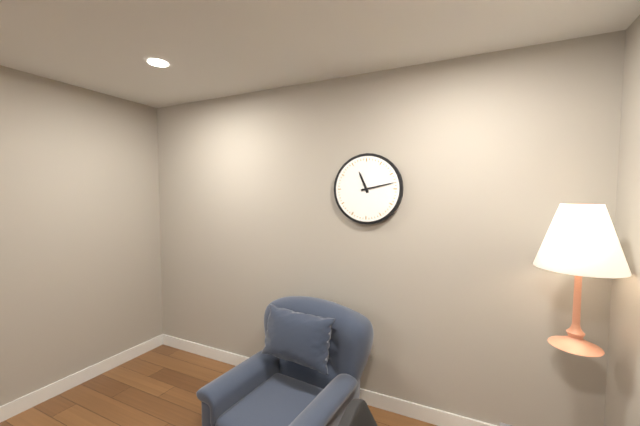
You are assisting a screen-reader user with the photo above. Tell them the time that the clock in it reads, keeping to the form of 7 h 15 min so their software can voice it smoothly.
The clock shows 11 h 13 min
